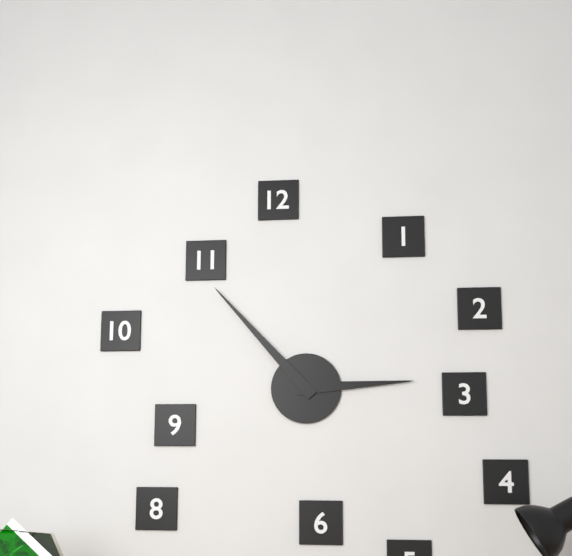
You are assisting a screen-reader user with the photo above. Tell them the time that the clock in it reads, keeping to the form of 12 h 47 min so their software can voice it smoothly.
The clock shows 2 h 53 min
